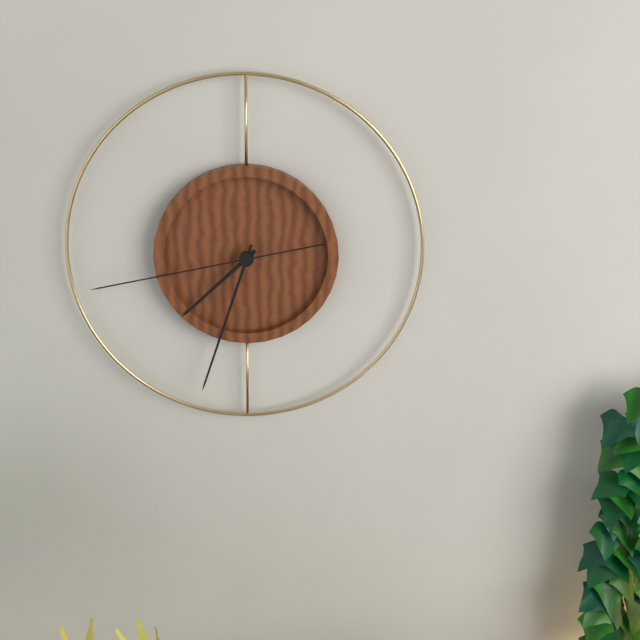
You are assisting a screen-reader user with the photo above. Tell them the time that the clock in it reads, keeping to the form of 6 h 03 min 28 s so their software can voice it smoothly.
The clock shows 7 h 33 min 43 s
